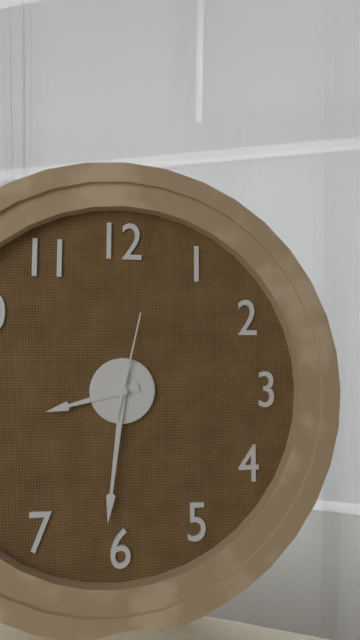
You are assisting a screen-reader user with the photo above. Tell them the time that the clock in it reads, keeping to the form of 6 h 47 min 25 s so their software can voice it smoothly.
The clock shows 8 h 31 min 02 s
